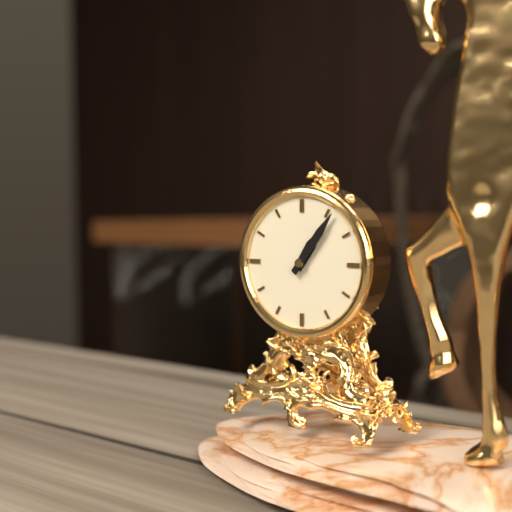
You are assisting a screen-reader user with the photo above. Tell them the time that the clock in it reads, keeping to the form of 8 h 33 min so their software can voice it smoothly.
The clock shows 1 h 06 min
